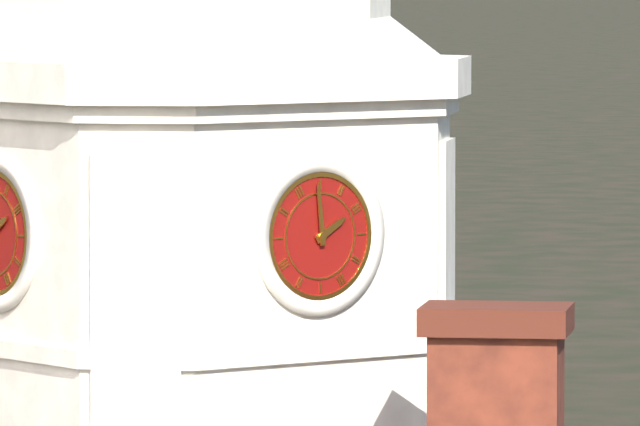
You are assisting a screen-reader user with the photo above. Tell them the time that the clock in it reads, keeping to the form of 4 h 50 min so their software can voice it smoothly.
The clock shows 1 h 59 min
